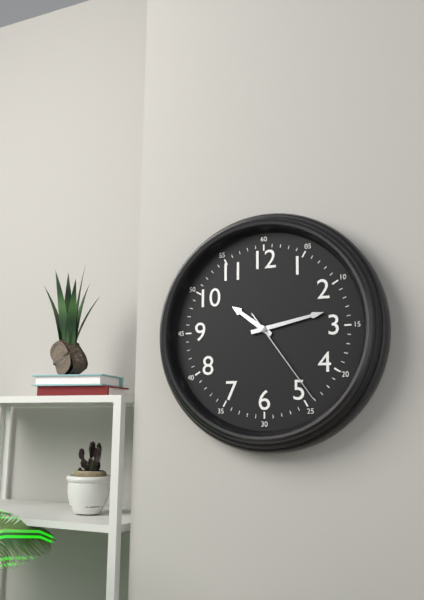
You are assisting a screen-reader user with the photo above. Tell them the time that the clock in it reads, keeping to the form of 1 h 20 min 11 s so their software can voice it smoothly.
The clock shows 10 h 13 min 24 s
